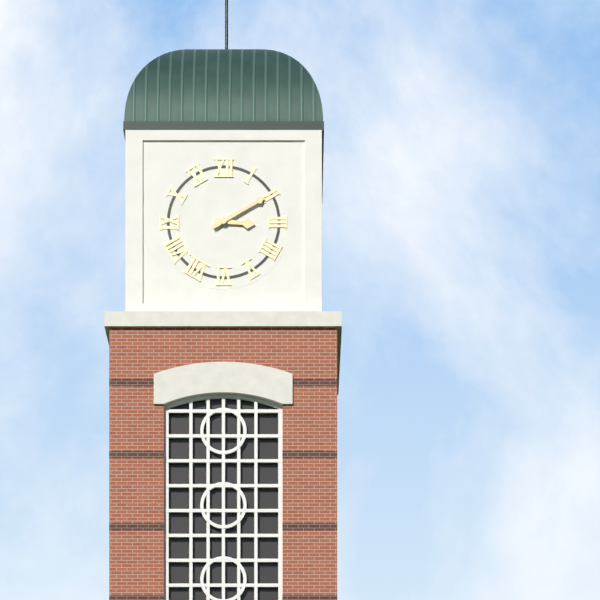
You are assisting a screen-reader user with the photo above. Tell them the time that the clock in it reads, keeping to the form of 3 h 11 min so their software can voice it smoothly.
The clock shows 3 h 10 min
